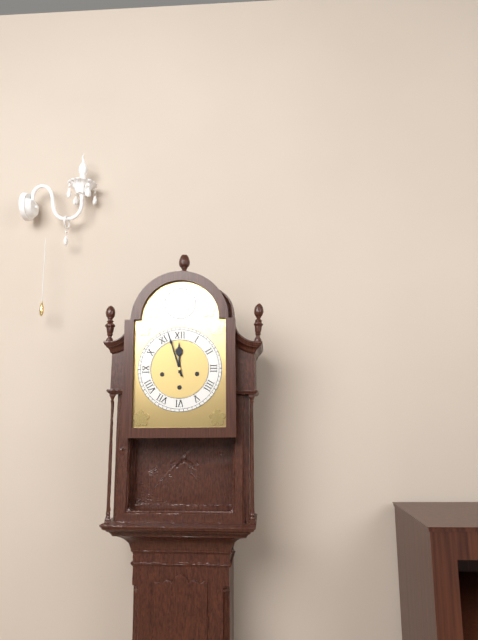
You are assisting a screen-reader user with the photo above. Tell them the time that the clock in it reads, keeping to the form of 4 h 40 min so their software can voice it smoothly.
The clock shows 11 h 57 min
